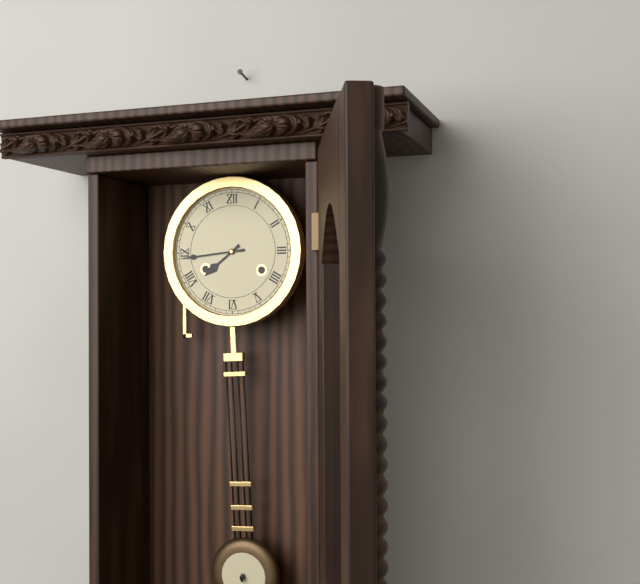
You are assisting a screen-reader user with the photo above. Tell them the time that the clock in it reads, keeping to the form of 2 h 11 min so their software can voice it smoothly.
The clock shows 7 h 44 min
